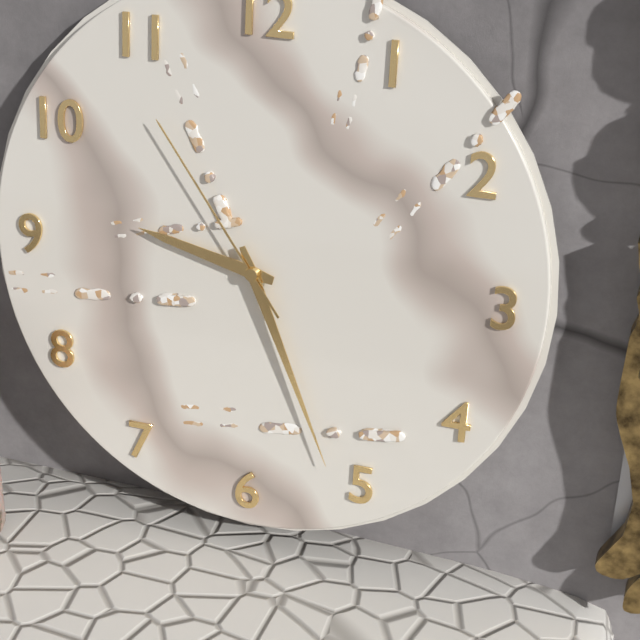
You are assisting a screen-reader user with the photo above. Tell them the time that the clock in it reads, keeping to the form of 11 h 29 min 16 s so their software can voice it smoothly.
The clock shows 9 h 26 min 54 s
